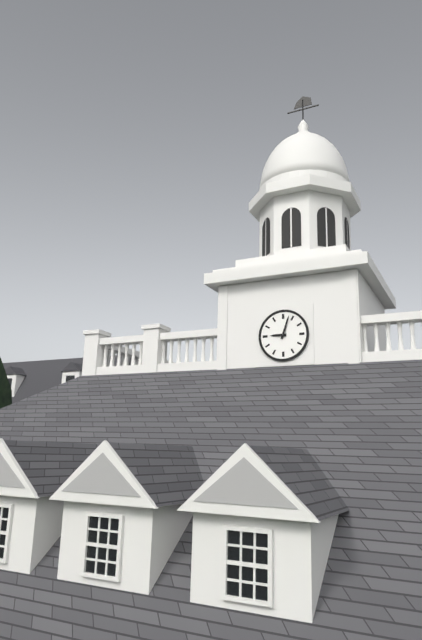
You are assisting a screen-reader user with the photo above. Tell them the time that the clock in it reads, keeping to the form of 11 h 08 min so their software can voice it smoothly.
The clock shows 9 h 03 min
